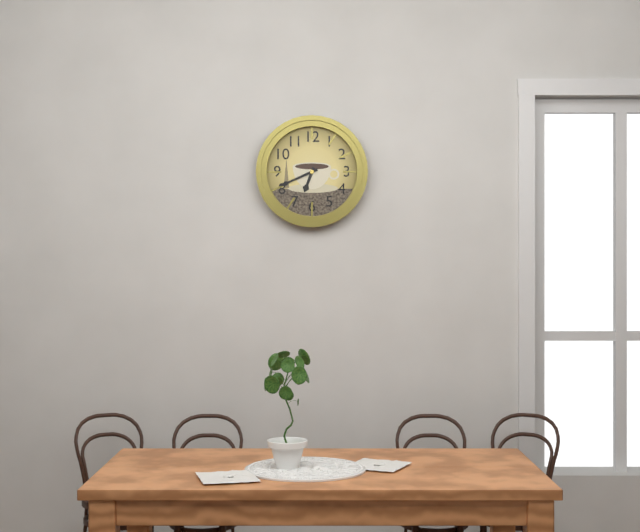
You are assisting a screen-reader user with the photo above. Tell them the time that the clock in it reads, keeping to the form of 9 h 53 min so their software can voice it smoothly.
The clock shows 6 h 41 min
